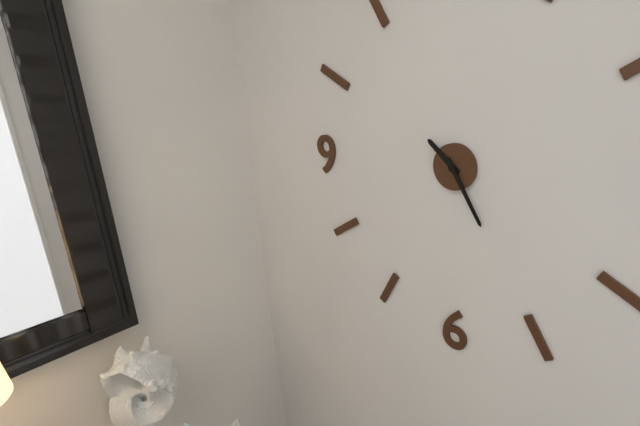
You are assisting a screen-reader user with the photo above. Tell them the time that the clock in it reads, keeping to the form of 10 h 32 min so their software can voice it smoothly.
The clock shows 10 h 25 min
